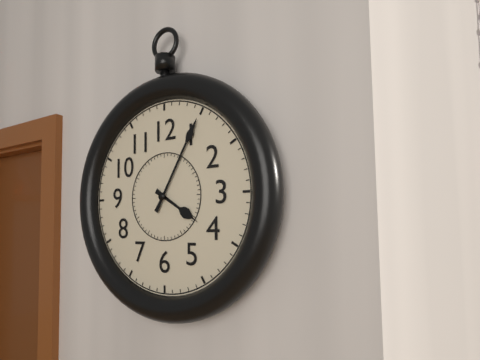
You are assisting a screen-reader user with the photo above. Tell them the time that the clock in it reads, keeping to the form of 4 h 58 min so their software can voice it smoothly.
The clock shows 4 h 05 min
